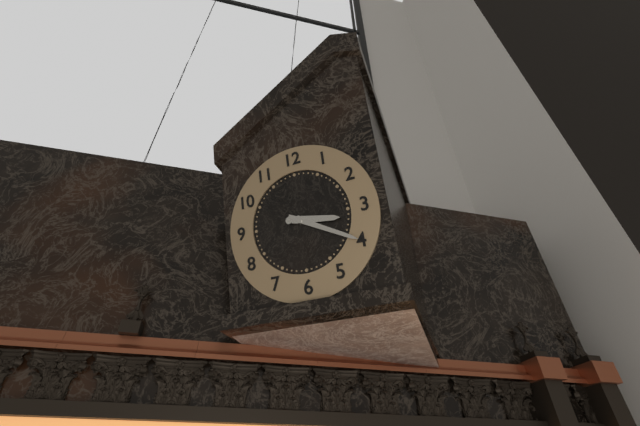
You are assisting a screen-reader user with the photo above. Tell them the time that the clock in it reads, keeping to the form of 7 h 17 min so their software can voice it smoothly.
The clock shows 3 h 20 min
